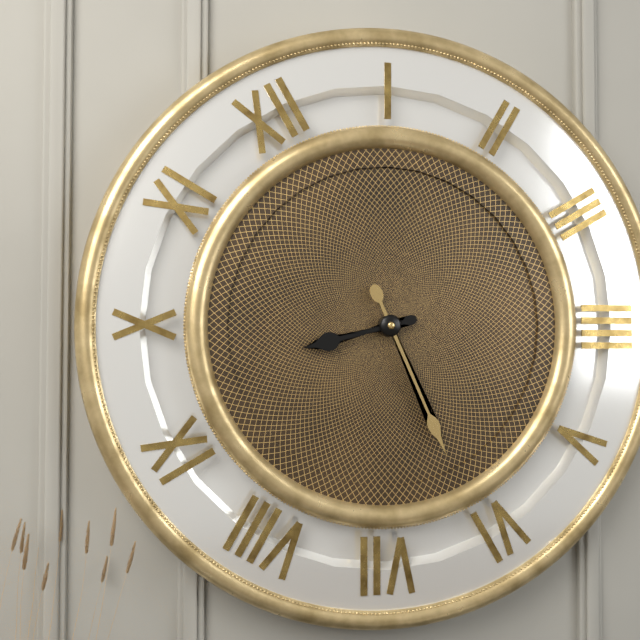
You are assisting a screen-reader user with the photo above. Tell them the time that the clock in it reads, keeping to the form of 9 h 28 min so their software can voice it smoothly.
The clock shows 9 h 31 min
